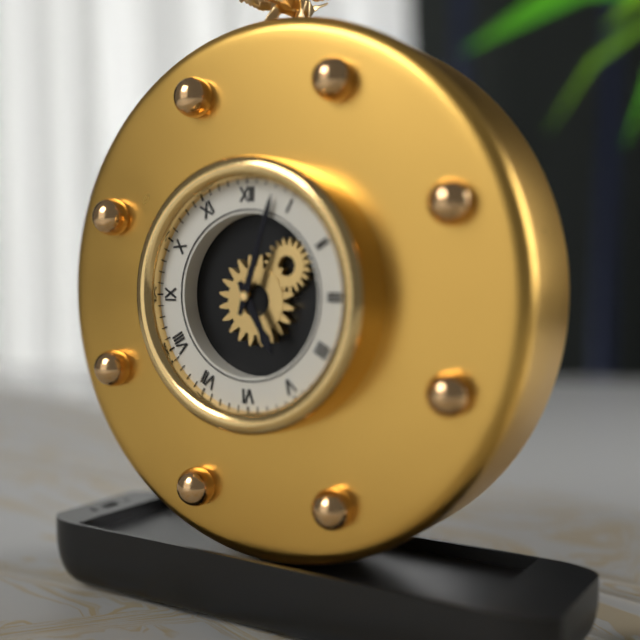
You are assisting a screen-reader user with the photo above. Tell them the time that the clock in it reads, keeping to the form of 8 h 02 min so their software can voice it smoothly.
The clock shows 5 h 03 min
